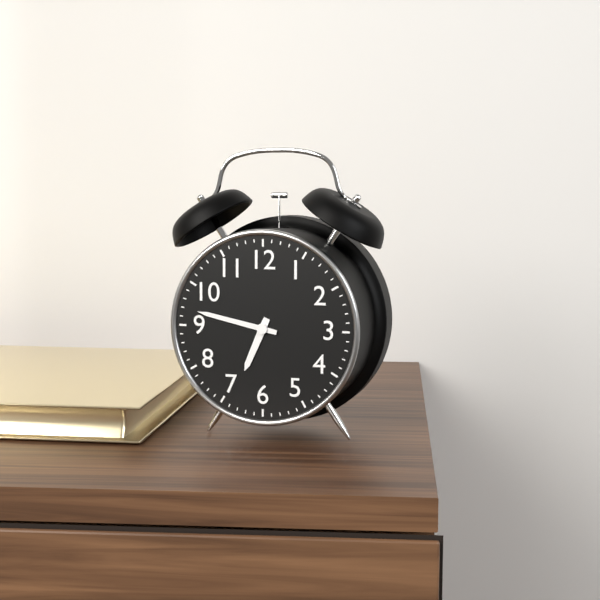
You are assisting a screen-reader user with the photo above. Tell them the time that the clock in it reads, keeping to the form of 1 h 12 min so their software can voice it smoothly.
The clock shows 6 h 47 min
